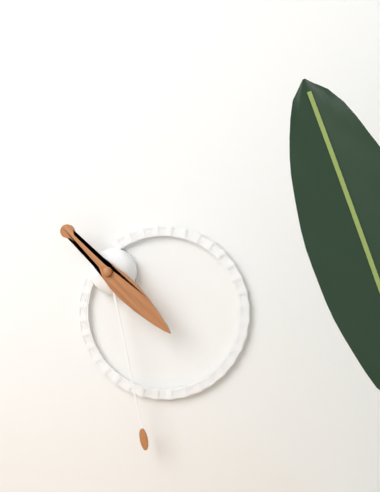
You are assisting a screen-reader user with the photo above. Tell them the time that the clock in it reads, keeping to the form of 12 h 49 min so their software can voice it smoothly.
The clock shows 4 h 28 min
